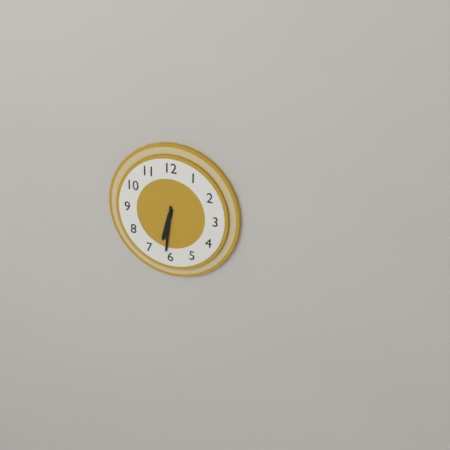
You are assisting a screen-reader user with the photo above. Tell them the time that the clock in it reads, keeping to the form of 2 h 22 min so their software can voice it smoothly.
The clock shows 6 h 31 min
